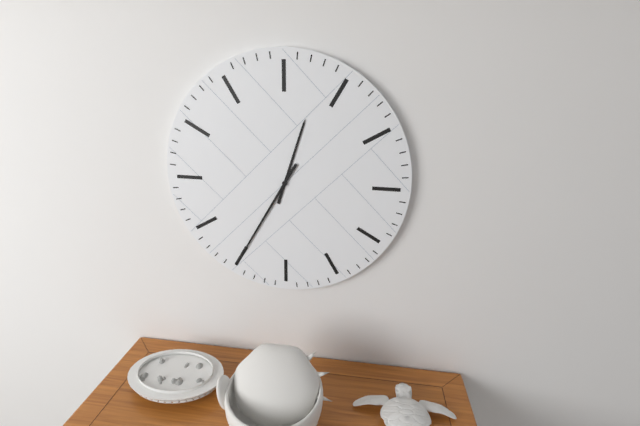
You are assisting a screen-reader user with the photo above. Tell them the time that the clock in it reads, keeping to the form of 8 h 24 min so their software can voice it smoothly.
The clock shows 12 h 35 min
